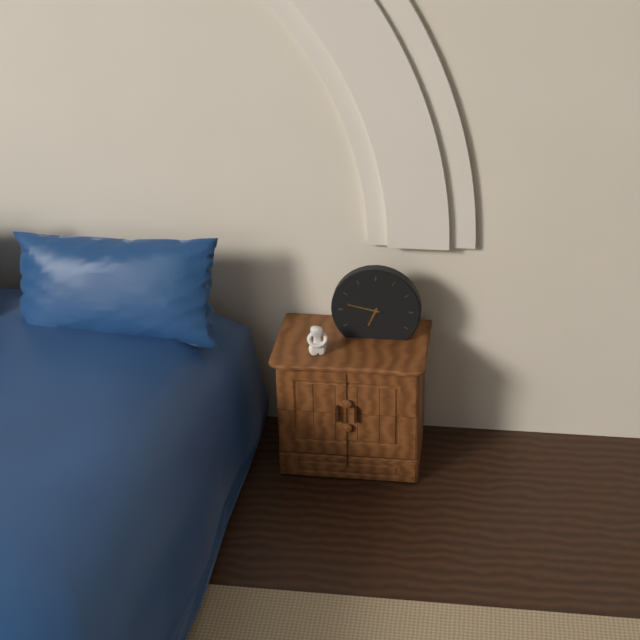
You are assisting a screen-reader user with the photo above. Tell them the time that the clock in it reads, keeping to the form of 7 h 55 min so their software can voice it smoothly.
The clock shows 6 h 47 min
